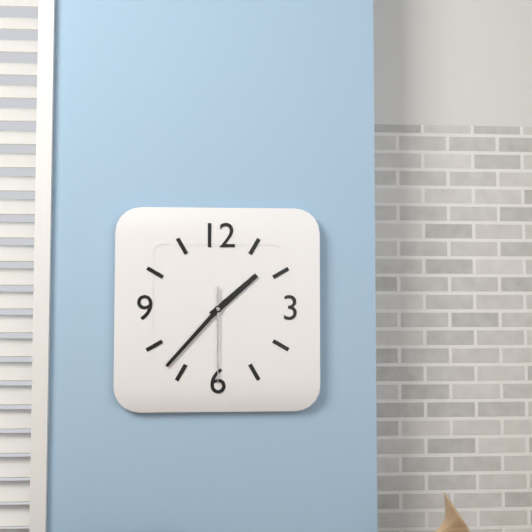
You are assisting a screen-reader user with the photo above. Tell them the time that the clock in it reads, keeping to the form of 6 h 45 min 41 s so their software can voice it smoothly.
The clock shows 1 h 37 min 30 s
